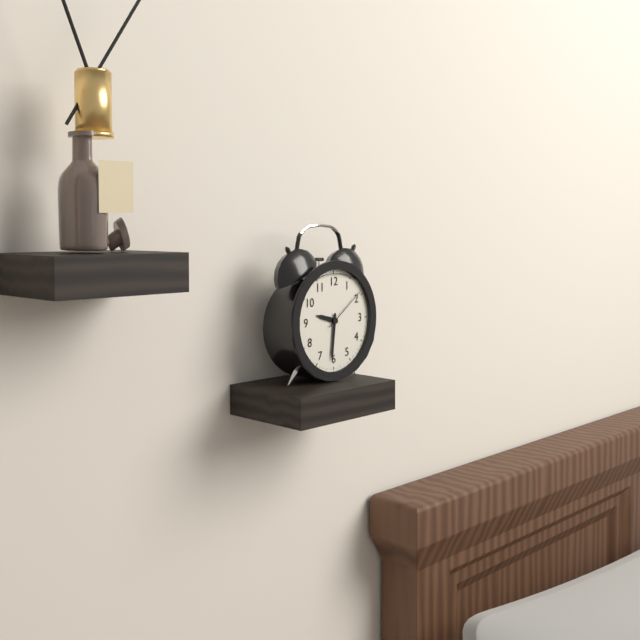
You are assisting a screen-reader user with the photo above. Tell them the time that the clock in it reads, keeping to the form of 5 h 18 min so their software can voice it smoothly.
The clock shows 9 h 31 min
